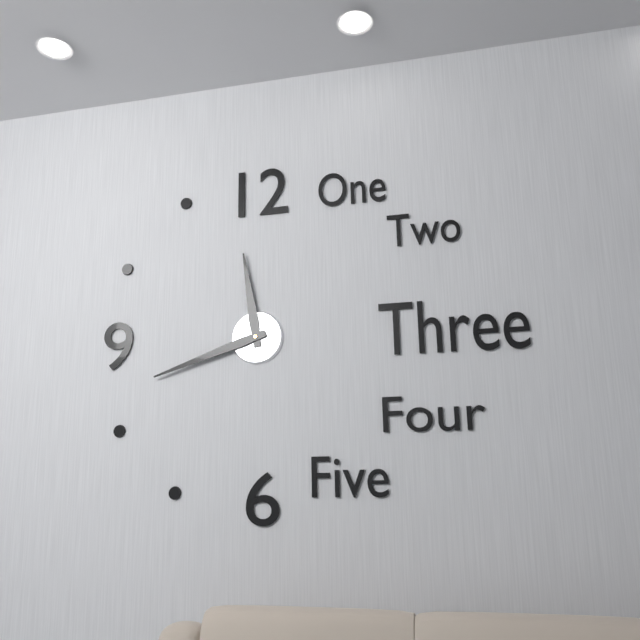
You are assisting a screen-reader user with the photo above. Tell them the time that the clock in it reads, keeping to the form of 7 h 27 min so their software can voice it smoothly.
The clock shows 11 h 42 min
